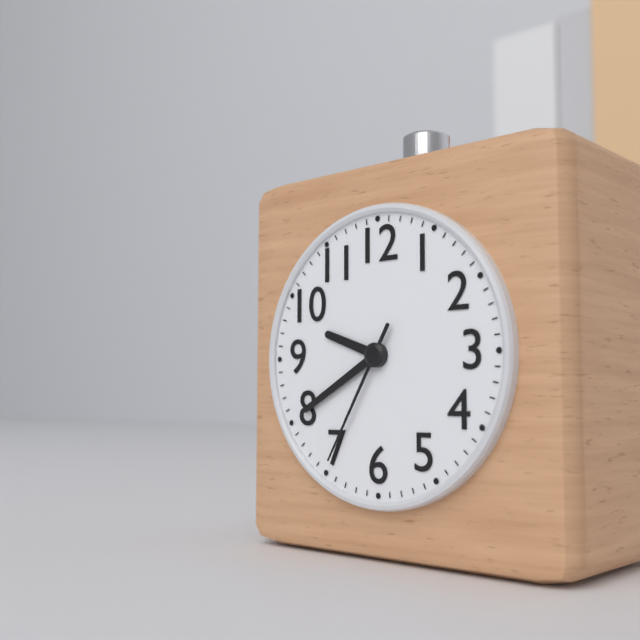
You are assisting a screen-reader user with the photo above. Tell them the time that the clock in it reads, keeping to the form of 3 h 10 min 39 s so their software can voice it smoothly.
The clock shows 9 h 40 min 35 s
